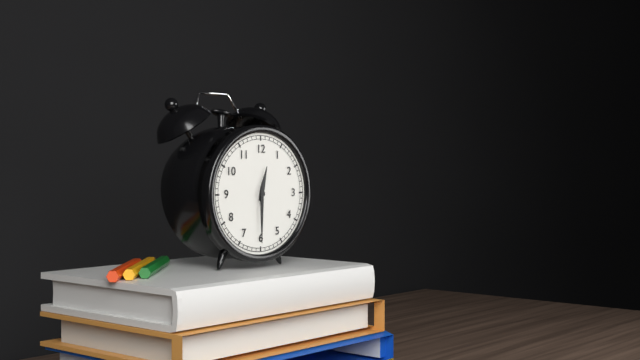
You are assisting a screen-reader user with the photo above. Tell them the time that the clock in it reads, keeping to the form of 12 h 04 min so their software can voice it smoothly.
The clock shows 12 h 30 min
